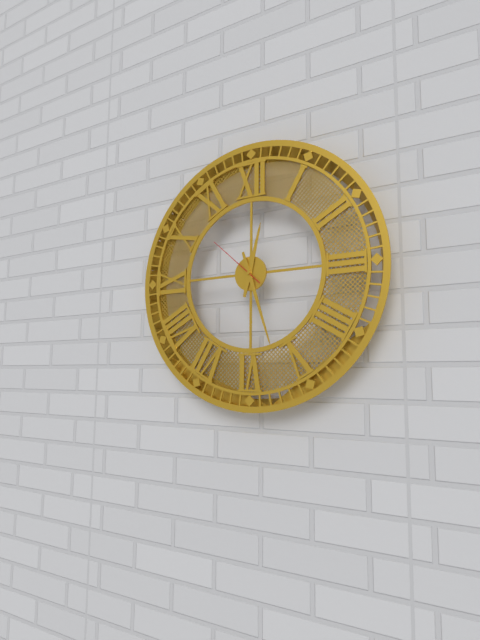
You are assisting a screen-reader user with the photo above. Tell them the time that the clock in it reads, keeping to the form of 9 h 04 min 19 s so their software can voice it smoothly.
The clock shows 12 h 27 min 52 s
